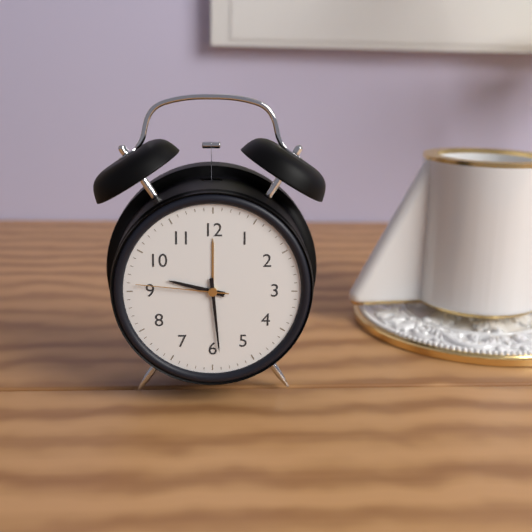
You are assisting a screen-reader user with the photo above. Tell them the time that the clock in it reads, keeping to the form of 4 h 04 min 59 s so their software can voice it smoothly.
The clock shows 9 h 29 min 46 s
